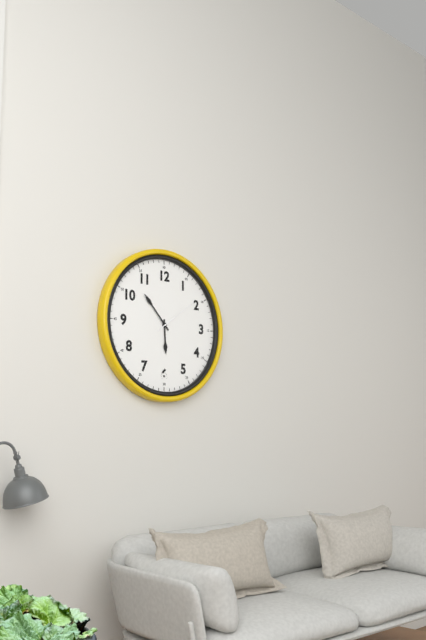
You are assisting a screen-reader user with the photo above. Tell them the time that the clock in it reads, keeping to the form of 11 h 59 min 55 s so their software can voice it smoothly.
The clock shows 5 h 53 min 09 s
